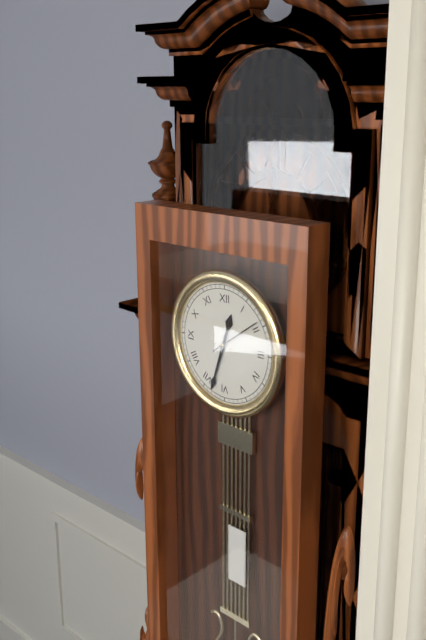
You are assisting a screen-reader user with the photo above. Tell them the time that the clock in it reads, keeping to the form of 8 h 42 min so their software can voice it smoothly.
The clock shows 12 h 33 min
